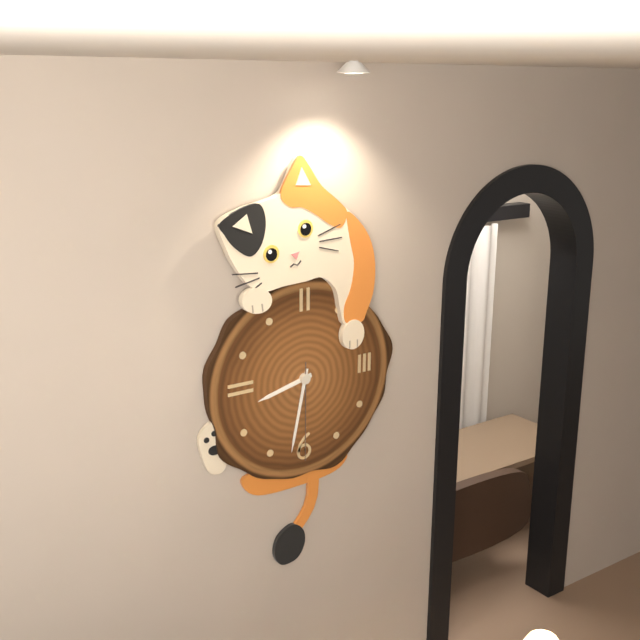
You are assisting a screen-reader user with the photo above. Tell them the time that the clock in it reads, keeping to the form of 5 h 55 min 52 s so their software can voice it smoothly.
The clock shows 8 h 32 min 30 s
